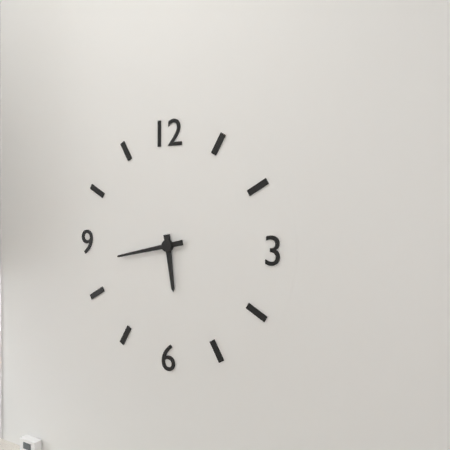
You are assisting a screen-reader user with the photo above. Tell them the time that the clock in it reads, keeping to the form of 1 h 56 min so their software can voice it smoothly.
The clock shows 5 h 43 min
